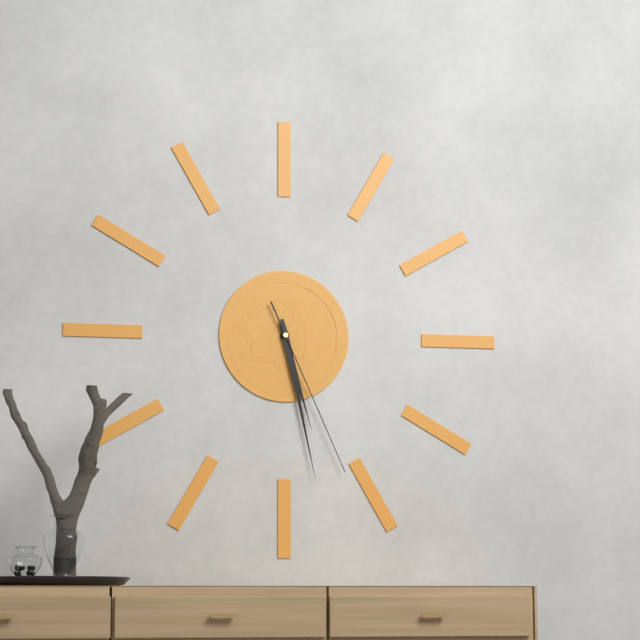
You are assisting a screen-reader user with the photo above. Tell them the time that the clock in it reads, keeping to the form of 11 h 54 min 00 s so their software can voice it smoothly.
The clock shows 5 h 28 min 26 s
